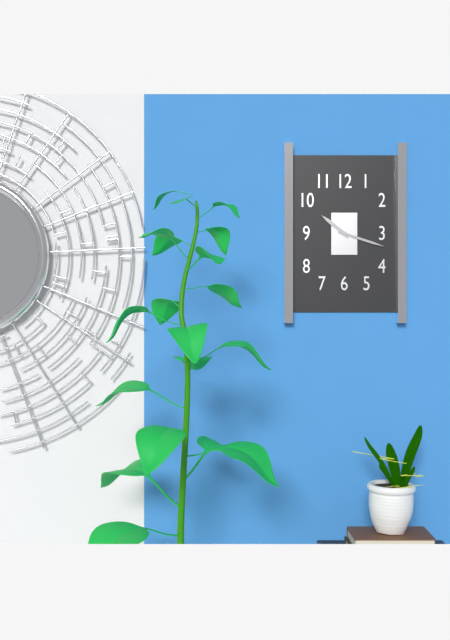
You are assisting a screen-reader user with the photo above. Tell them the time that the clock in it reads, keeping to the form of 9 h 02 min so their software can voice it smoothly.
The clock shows 10 h 18 min
